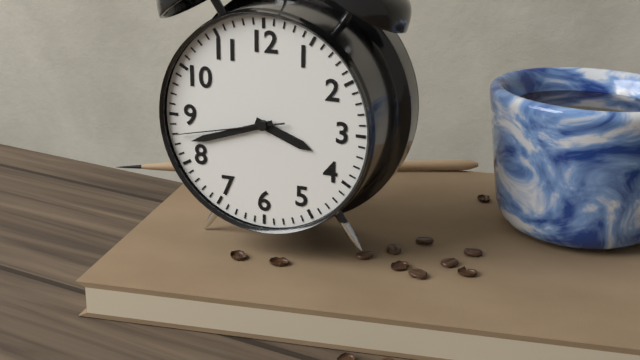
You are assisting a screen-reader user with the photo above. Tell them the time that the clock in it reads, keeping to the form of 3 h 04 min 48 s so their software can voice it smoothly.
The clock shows 3 h 42 min 43 s
